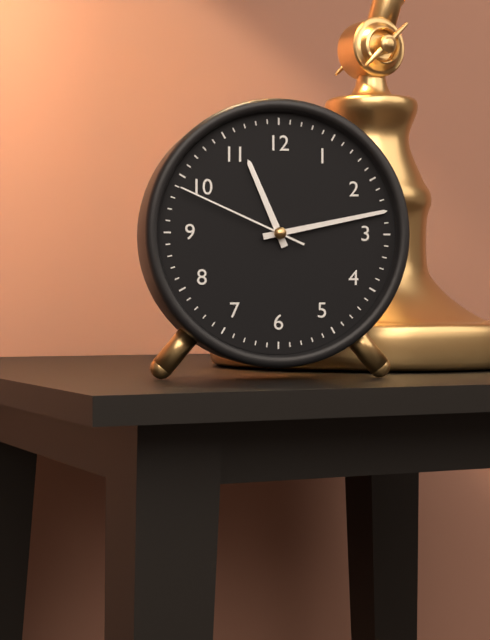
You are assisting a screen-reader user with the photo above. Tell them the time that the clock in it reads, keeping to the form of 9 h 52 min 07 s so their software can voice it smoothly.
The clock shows 11 h 13 min 49 s
